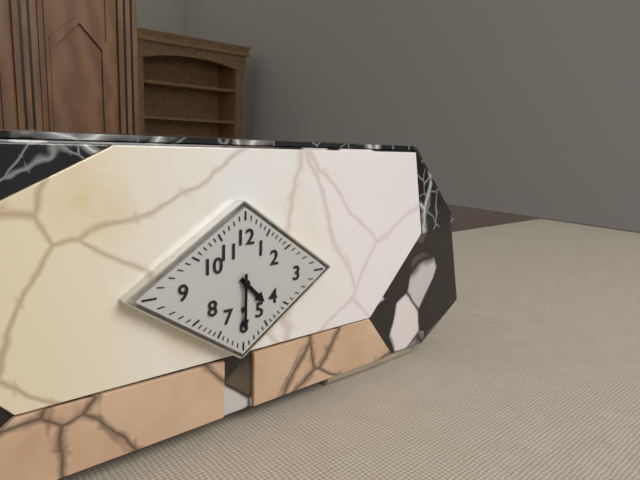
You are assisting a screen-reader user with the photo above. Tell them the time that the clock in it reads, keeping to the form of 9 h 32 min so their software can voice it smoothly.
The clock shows 4 h 30 min
